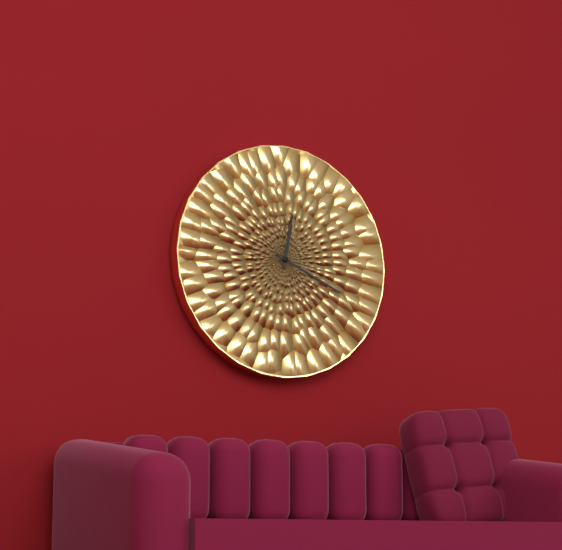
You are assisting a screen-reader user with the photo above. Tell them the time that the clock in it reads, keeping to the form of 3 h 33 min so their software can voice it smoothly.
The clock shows 12 h 19 min
